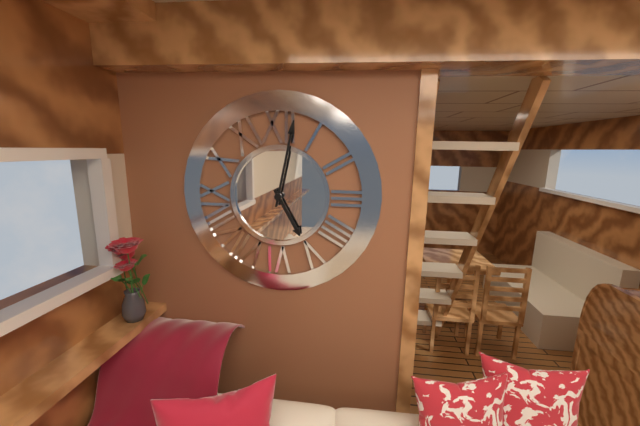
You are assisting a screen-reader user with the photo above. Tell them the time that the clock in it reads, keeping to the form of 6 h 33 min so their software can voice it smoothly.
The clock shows 5 h 02 min
